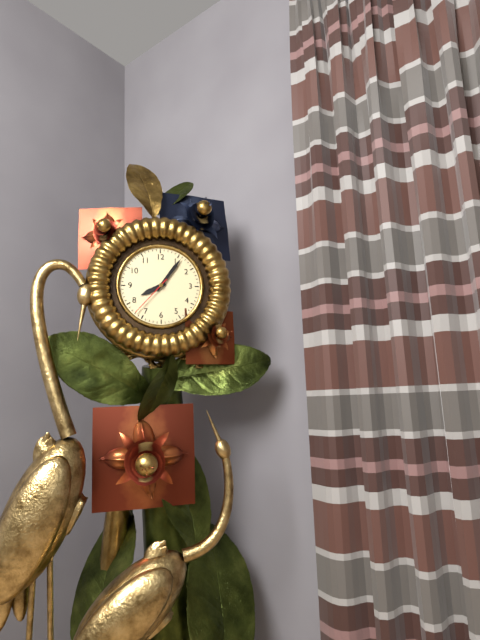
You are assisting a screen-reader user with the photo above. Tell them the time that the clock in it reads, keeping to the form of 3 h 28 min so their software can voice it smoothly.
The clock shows 8 h 06 min
